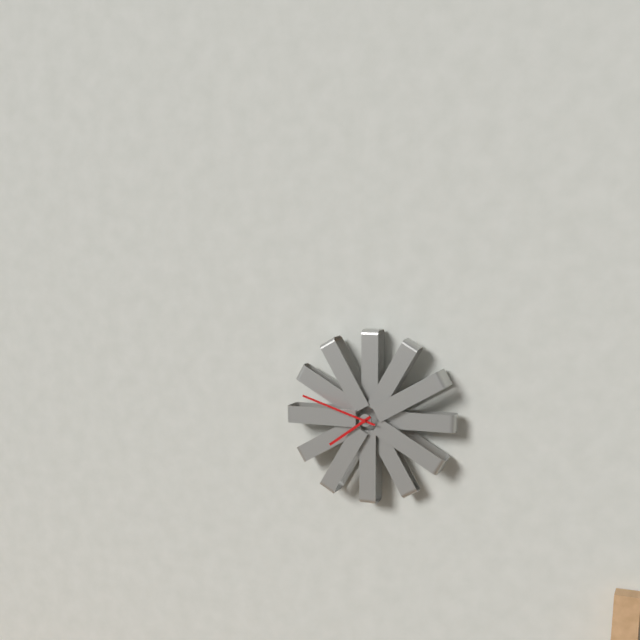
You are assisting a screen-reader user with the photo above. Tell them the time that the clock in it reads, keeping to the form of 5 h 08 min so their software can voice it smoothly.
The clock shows 7 h 48 min
